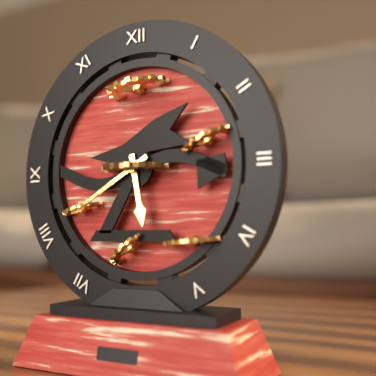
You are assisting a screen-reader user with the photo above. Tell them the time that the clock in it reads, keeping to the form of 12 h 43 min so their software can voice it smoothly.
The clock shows 5 h 40 min
